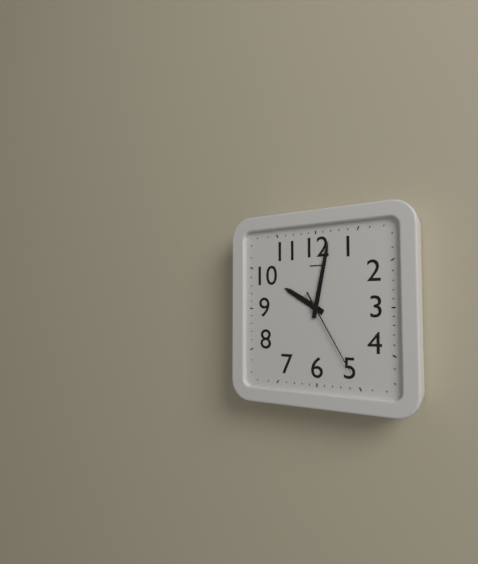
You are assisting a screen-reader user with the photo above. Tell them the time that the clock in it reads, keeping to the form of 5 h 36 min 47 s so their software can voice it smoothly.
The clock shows 10 h 02 min 25 s
